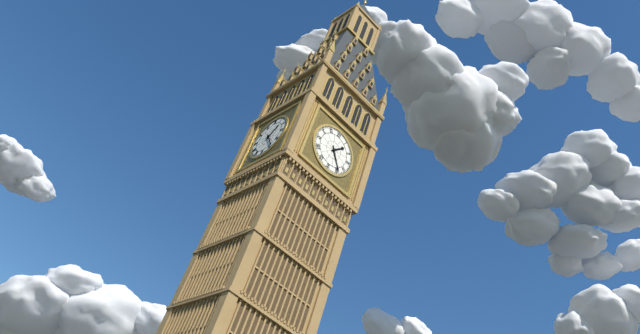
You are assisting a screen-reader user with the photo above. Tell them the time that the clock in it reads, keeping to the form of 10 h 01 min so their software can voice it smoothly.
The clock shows 1 h 24 min
